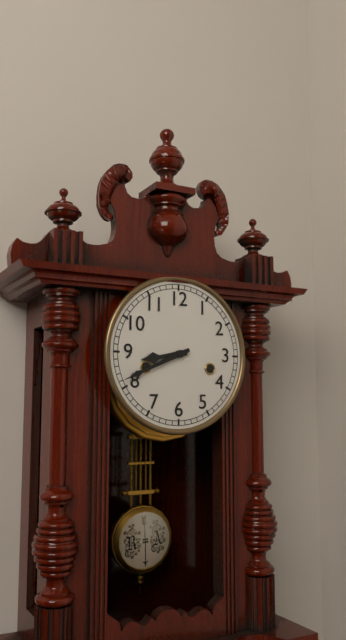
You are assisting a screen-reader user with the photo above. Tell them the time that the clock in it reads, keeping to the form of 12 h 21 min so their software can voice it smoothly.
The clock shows 8 h 41 min
